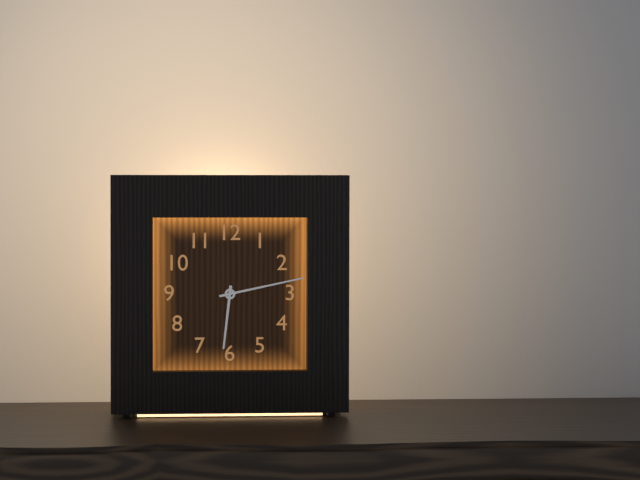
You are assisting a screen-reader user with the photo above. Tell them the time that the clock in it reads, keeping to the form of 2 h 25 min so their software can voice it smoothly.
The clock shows 6 h 13 min
